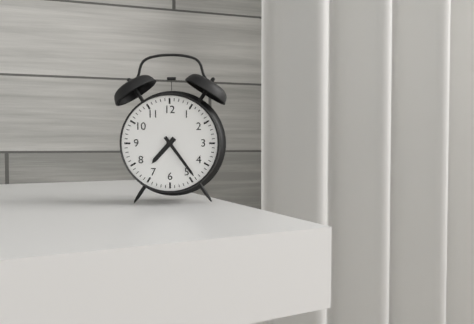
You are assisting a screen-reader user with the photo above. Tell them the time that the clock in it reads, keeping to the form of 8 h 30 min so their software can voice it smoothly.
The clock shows 7 h 24 min
